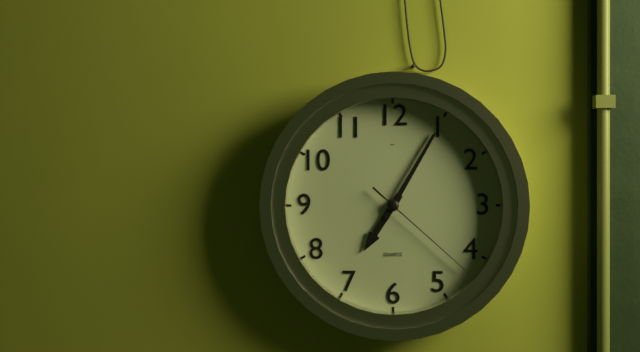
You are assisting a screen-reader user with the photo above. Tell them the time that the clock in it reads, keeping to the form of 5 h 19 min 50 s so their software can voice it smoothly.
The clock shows 7 h 05 min 22 s
